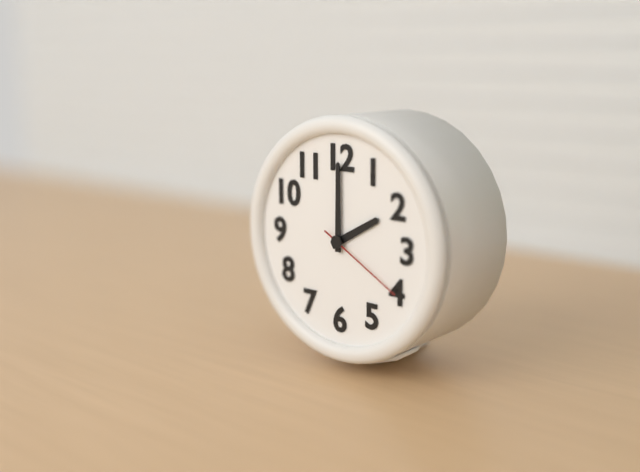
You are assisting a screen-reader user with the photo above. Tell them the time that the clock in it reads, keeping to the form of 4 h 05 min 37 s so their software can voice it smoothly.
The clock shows 2 h 00 min 20 s
